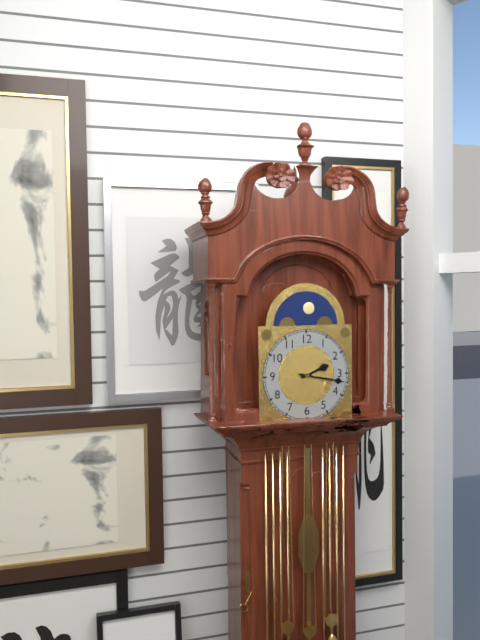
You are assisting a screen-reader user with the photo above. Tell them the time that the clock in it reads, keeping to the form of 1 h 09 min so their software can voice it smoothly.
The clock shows 2 h 17 min
